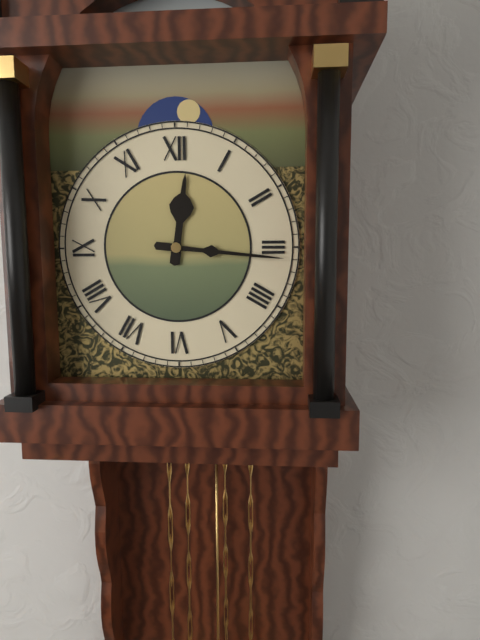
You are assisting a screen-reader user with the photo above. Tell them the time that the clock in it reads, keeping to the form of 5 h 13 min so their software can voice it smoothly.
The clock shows 12 h 16 min
